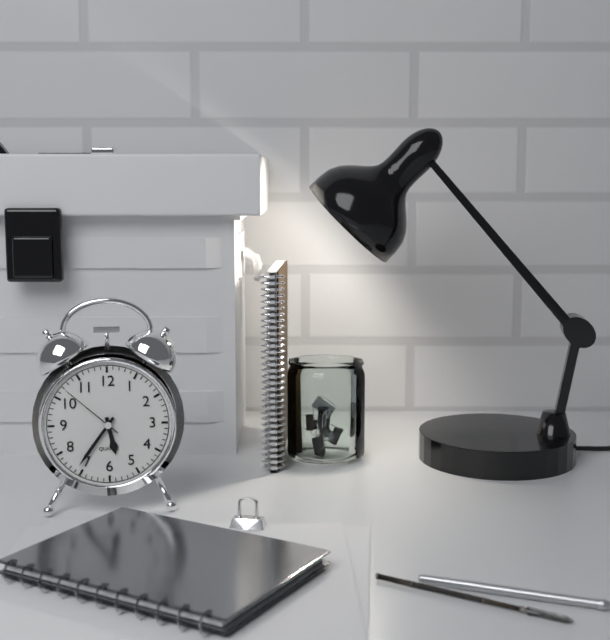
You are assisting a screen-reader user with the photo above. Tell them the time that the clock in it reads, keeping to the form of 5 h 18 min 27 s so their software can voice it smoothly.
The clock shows 5 h 36 min 52 s
